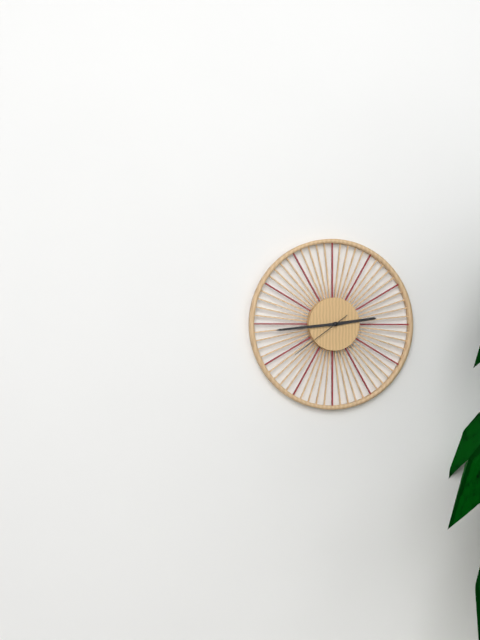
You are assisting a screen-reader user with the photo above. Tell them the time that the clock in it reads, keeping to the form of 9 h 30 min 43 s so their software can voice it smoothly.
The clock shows 2 h 44 min 39 s
